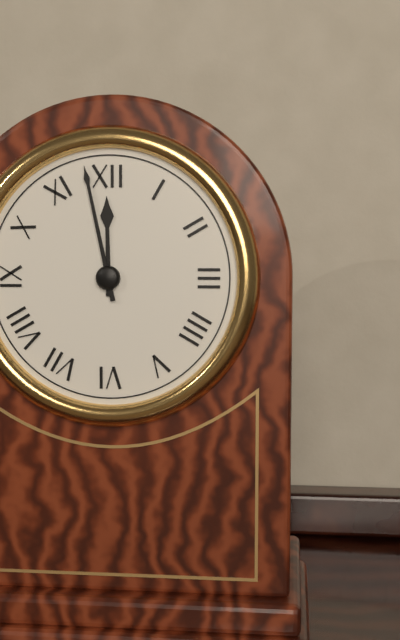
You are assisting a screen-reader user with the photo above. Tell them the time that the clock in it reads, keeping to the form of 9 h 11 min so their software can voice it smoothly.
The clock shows 11 h 58 min
